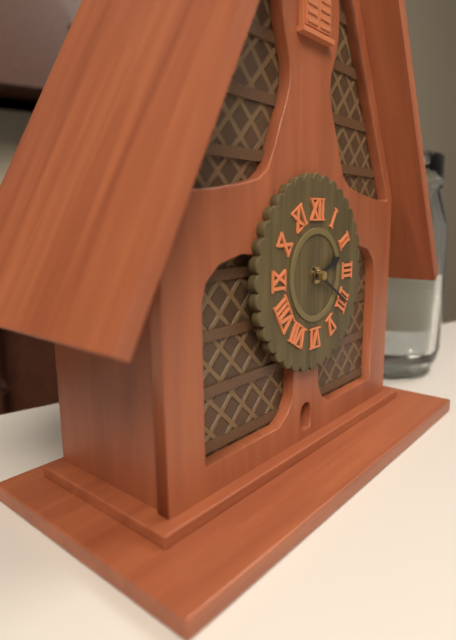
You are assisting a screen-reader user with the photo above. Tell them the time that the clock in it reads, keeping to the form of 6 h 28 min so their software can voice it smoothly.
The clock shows 2 h 20 min
